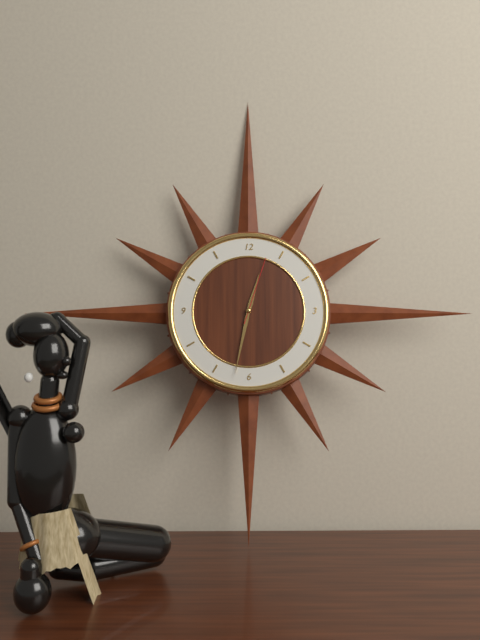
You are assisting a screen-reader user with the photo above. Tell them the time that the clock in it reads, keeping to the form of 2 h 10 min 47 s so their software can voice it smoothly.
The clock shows 12 h 32 min 03 s
